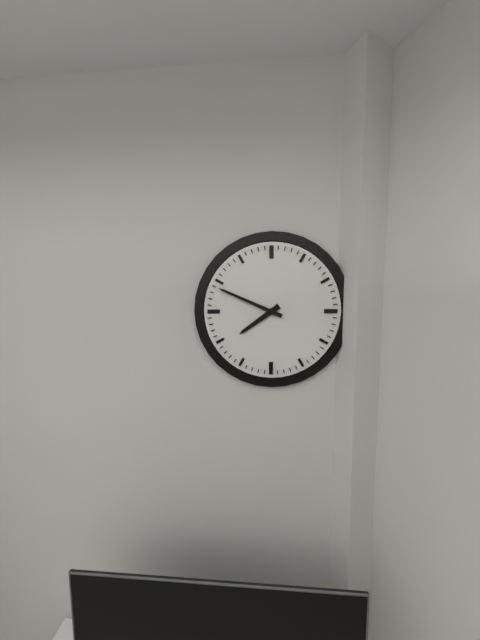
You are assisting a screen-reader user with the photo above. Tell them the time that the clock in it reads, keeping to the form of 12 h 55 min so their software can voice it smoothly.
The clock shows 7 h 49 min
